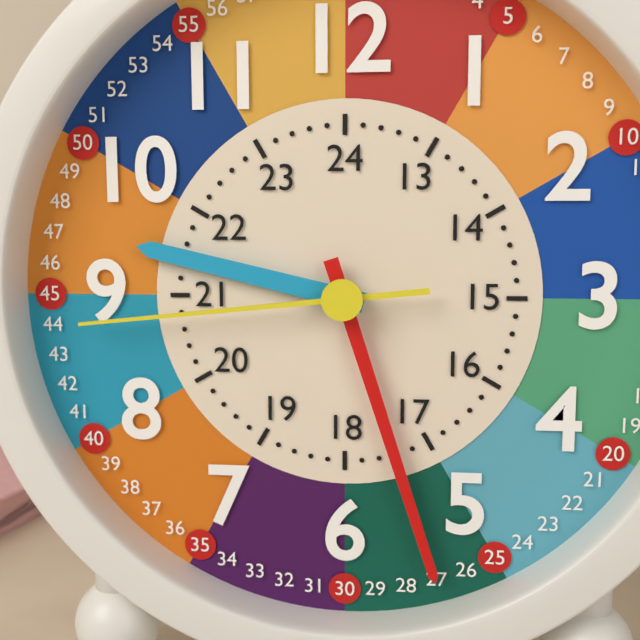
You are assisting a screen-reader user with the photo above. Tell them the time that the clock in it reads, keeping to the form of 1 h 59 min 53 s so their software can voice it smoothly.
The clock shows 9 h 27 min 44 s
